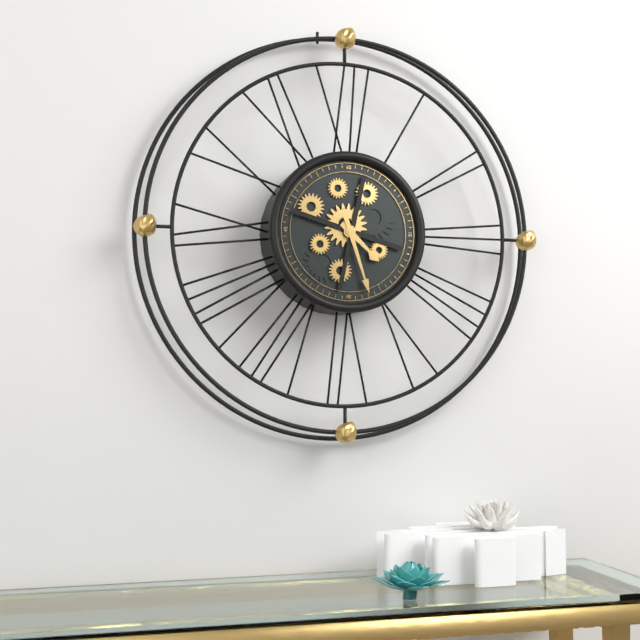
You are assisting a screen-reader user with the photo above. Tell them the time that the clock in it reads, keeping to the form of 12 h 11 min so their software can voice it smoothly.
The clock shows 4 h 27 min
